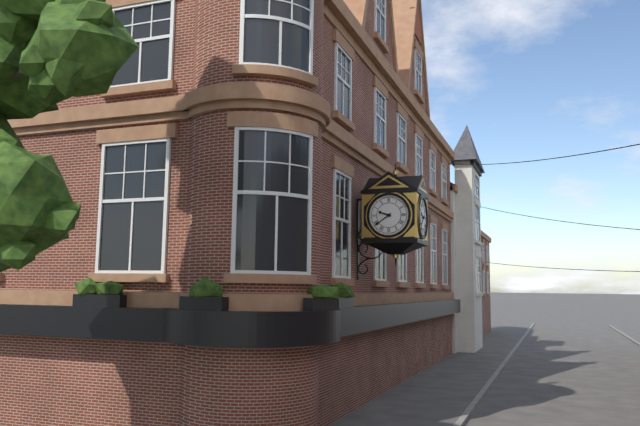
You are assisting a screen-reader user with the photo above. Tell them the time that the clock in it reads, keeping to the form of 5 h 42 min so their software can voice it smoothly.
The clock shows 9 h 39 min
